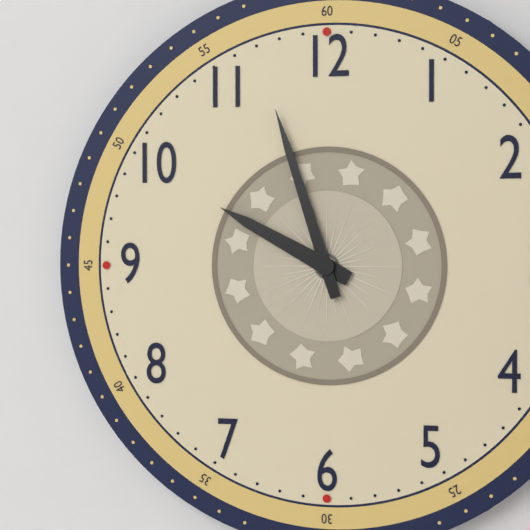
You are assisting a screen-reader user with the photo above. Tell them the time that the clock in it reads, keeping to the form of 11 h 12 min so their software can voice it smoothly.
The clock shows 9 h 57 min
